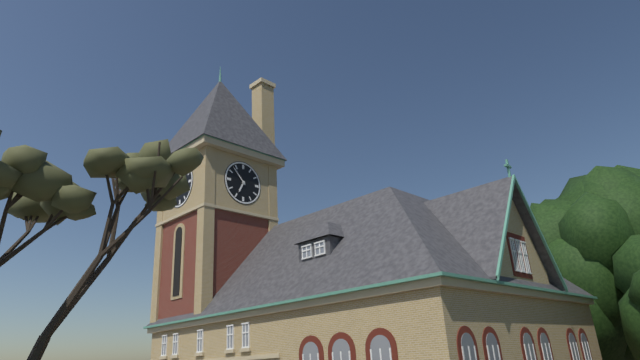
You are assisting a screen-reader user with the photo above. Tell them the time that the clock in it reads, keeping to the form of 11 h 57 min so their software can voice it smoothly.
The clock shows 6 h 53 min
